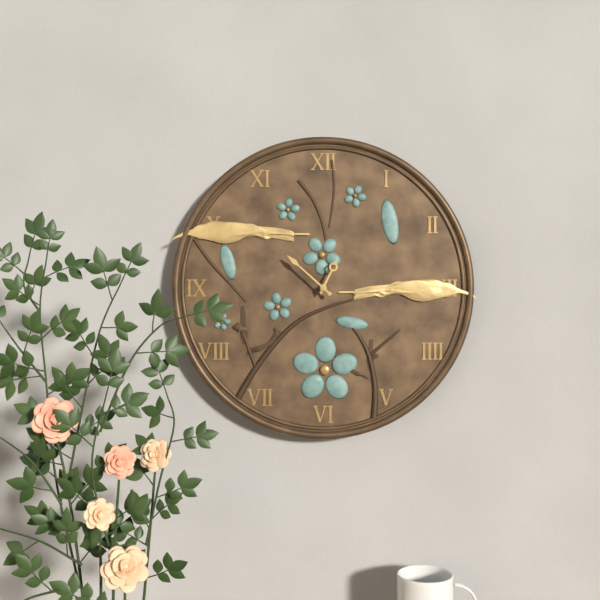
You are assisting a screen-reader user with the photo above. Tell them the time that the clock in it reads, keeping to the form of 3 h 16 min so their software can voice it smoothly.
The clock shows 12 h 52 min
